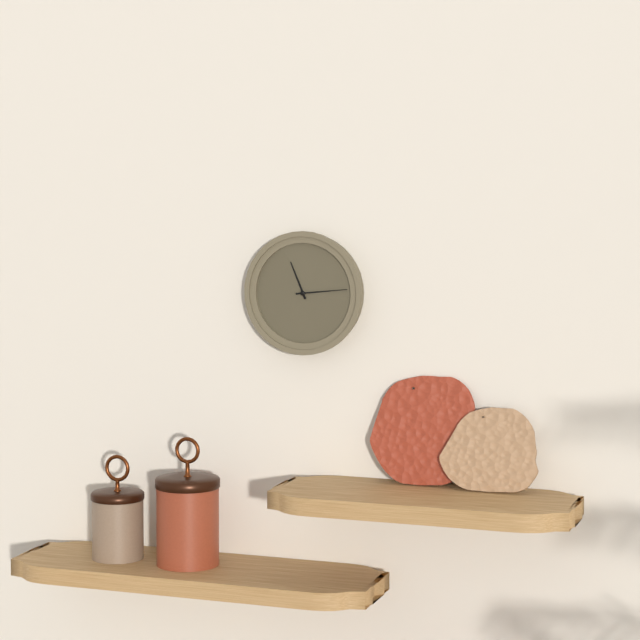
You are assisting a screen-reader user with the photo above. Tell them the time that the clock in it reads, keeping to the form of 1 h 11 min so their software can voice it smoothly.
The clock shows 11 h 14 min
